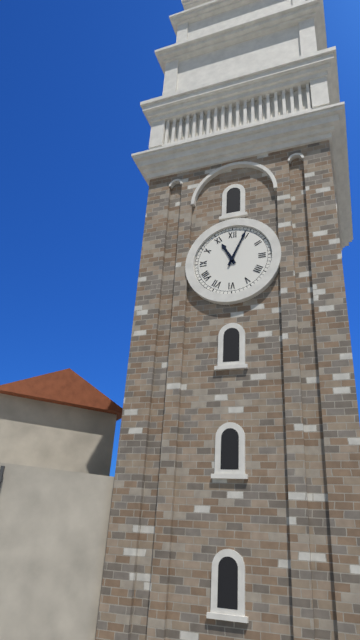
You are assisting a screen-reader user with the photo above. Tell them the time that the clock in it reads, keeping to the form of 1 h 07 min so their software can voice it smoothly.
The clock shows 11 h 04 min
